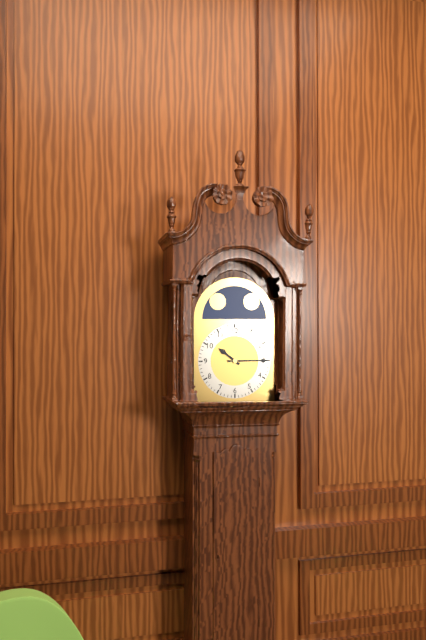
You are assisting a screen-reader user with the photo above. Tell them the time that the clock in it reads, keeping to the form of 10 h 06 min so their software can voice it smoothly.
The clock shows 10 h 15 min
